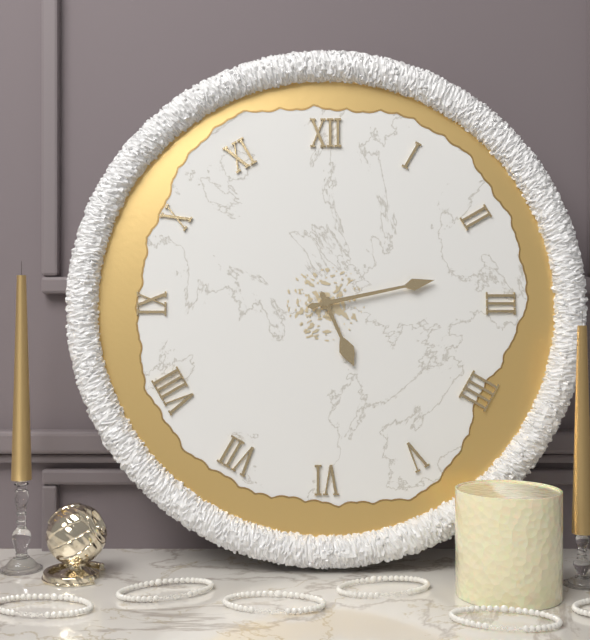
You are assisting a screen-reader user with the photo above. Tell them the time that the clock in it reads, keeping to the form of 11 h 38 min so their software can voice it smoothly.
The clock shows 5 h 13 min
